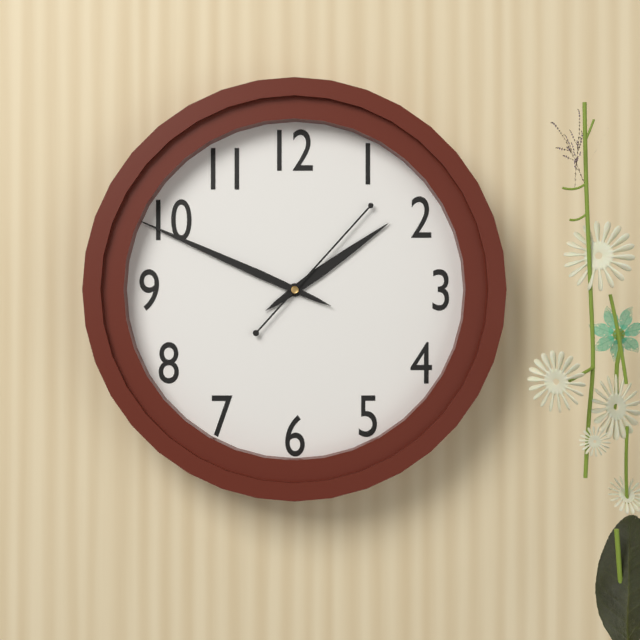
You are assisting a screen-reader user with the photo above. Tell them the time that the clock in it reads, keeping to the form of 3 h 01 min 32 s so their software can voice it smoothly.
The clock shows 1 h 49 min 07 s
